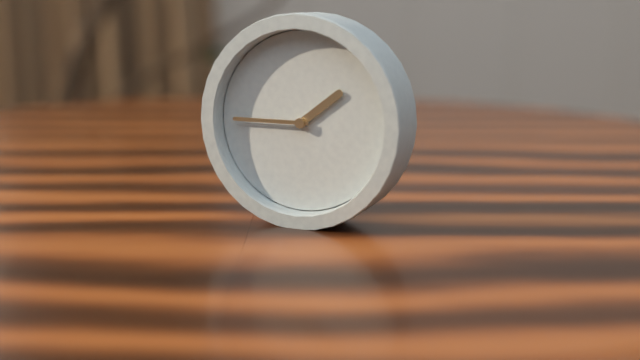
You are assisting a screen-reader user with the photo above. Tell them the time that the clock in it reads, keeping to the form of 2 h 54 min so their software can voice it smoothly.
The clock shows 1 h 45 min
